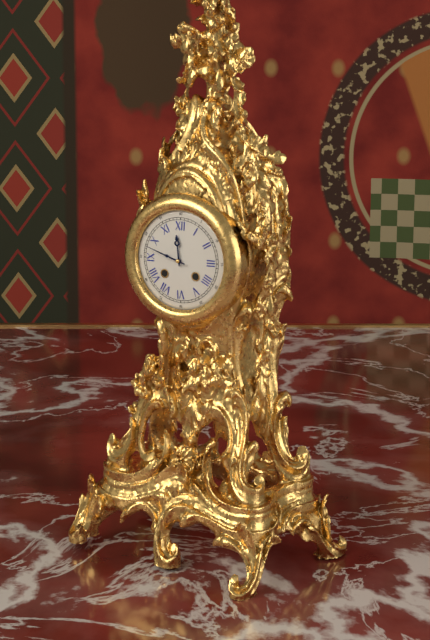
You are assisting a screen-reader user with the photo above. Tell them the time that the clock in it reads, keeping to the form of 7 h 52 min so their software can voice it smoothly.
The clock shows 11 h 48 min
